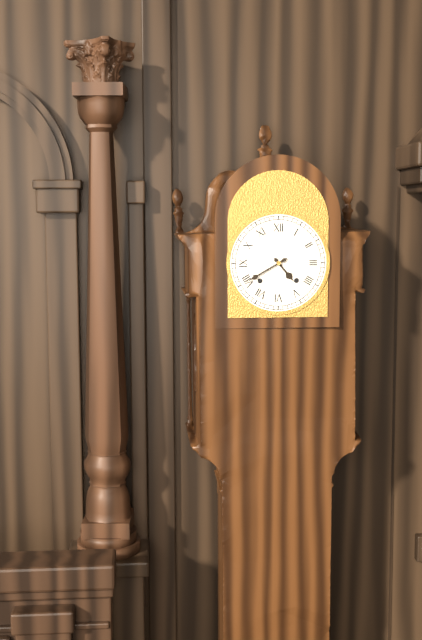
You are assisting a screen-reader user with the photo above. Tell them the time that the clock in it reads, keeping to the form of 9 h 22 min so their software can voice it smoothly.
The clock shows 4 h 40 min
